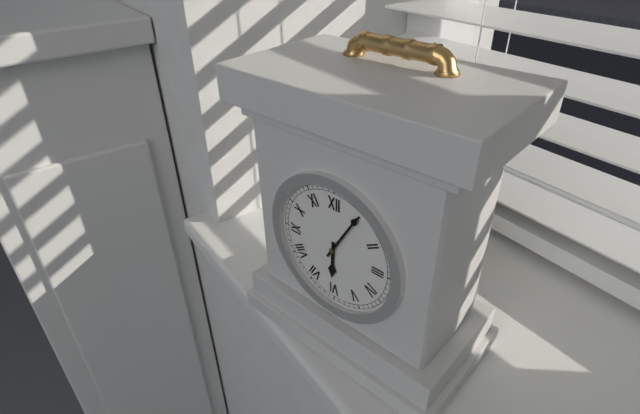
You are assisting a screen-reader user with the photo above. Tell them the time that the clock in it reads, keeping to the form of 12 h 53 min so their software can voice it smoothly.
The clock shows 6 h 05 min
